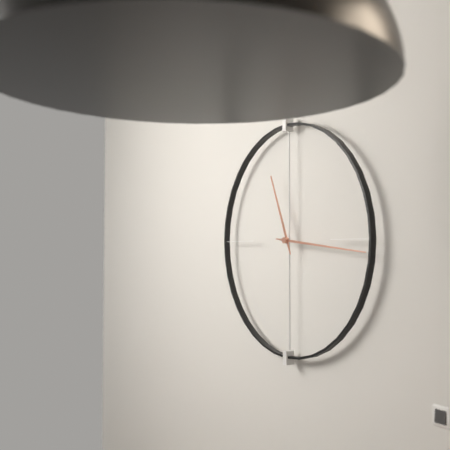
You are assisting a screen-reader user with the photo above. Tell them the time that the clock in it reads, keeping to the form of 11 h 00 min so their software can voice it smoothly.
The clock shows 11 h 16 min
